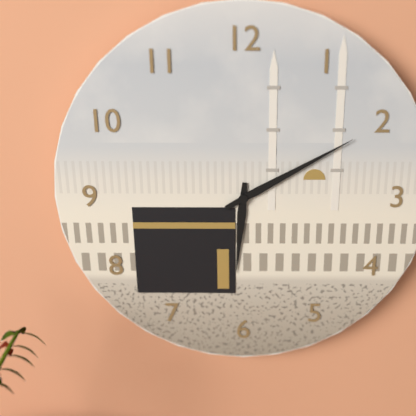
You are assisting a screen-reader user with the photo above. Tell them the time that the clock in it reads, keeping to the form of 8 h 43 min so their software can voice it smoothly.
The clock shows 6 h 10 min
